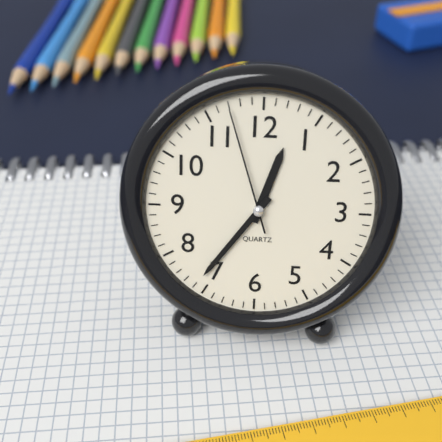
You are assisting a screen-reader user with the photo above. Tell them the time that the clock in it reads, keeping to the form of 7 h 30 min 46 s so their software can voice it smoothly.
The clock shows 12 h 36 min 57 s
